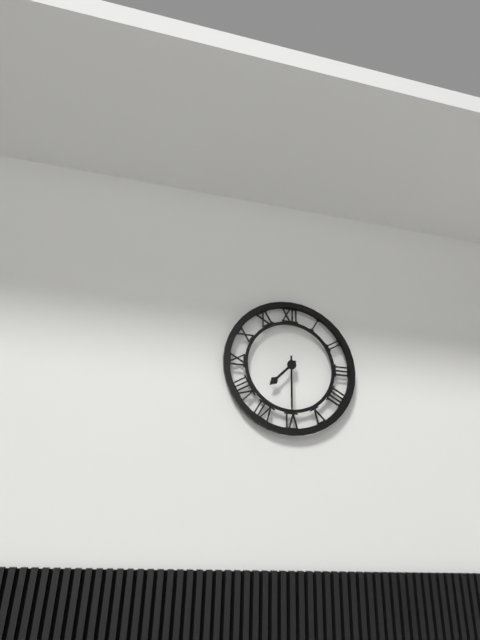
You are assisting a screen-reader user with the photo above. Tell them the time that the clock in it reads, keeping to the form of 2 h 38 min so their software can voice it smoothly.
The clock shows 7 h 30 min
